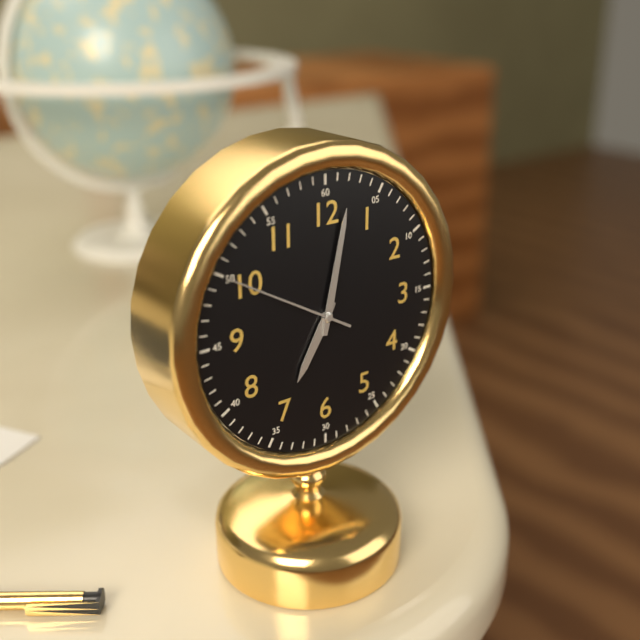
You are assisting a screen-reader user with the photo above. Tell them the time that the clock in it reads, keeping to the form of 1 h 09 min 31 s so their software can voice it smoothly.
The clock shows 7 h 02 min 50 s
